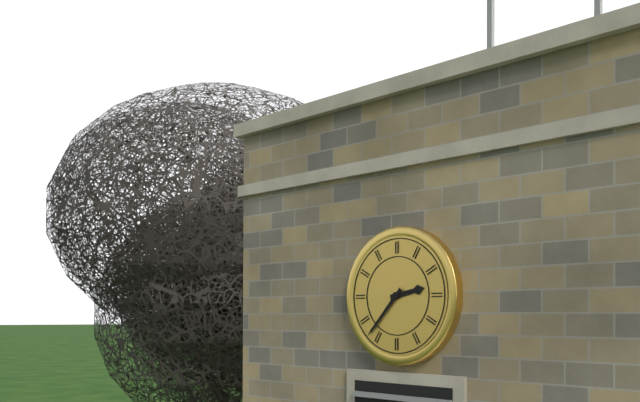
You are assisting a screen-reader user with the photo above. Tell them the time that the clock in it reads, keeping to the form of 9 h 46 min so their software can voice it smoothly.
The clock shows 2 h 37 min
